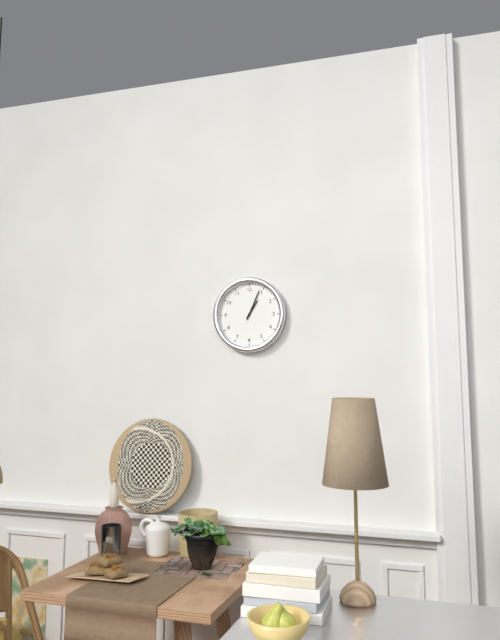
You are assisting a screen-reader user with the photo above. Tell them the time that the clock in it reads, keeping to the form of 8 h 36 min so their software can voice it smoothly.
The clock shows 1 h 04 min
